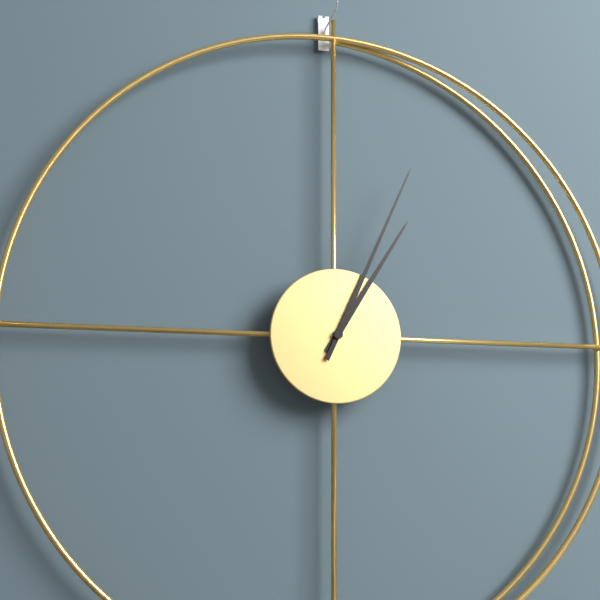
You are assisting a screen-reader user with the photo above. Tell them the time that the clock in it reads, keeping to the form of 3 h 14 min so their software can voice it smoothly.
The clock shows 1 h 04 min
